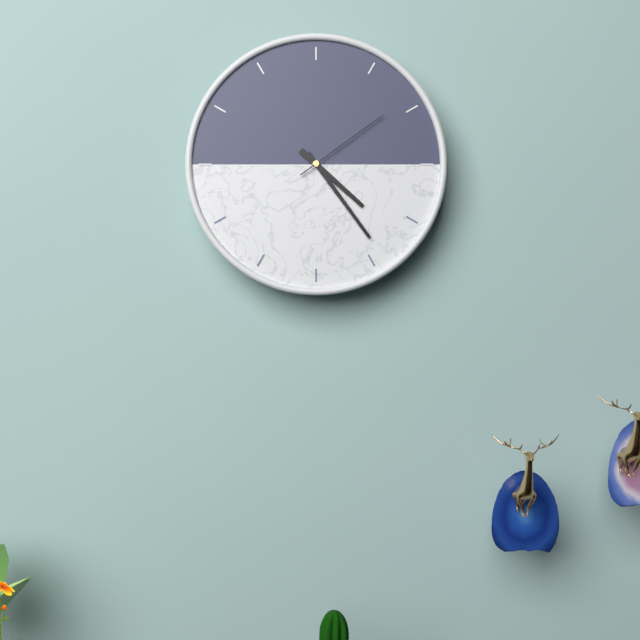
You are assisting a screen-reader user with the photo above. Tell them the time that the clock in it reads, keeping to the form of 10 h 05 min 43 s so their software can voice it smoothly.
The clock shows 4 h 24 min 09 s
